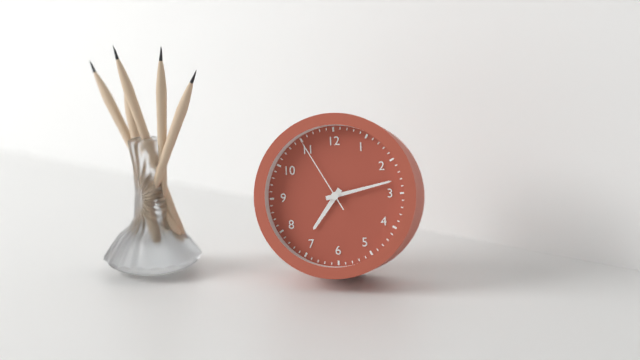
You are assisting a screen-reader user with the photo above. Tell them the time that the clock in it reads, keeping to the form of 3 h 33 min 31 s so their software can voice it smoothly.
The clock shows 7 h 13 min 55 s
